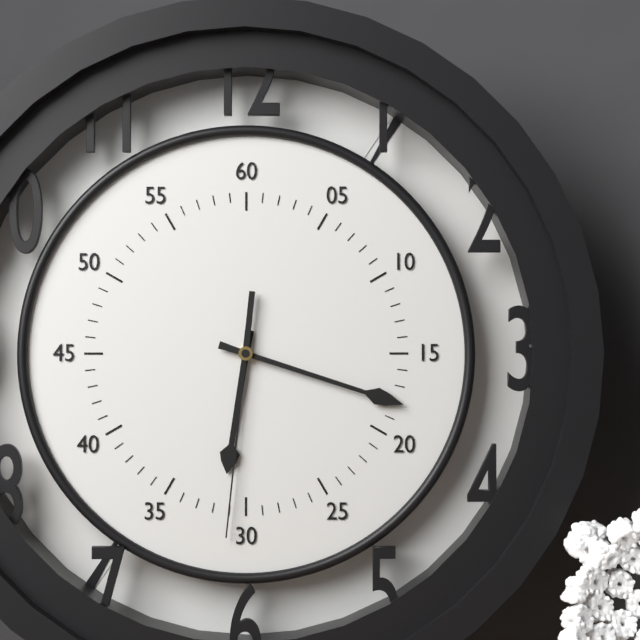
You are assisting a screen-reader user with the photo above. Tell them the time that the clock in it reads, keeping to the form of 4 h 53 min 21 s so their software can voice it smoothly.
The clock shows 6 h 18 min 31 s
